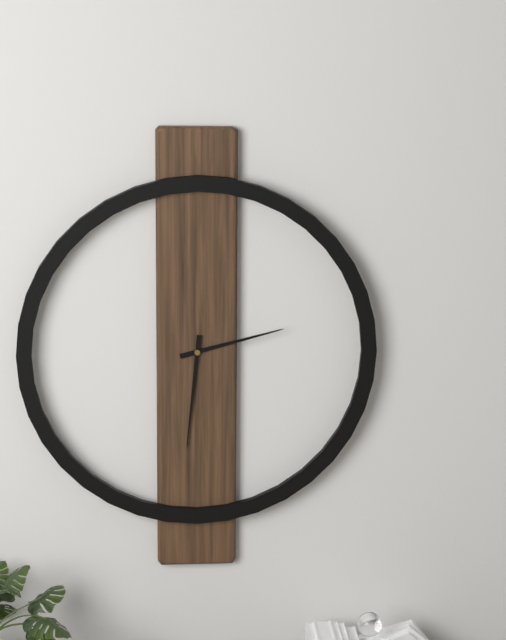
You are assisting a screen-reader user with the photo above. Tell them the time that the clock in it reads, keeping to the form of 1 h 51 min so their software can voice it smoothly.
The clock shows 2 h 31 min
